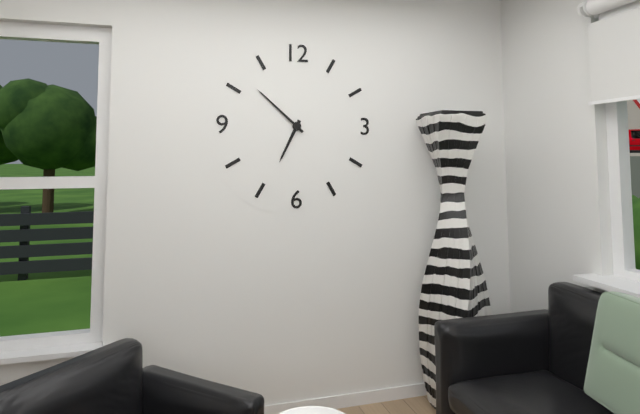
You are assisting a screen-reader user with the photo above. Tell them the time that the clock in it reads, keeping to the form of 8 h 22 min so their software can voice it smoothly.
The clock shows 6 h 52 min
